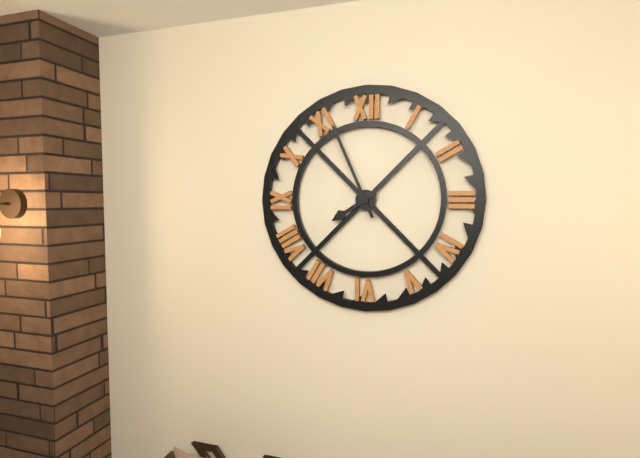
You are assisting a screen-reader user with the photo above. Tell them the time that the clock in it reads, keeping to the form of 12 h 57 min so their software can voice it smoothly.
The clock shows 7 h 56 min
